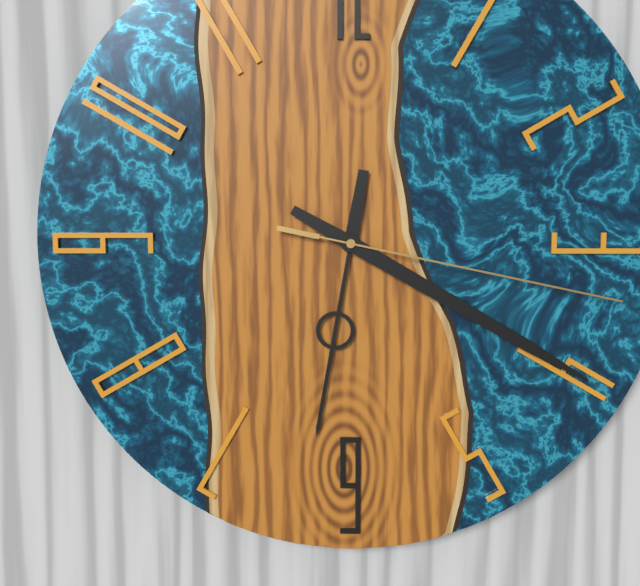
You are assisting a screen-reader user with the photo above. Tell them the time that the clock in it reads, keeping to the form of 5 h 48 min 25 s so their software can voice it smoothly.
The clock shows 6 h 20 min 17 s
